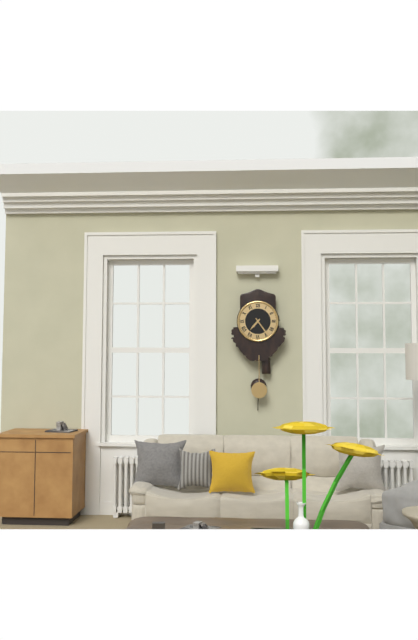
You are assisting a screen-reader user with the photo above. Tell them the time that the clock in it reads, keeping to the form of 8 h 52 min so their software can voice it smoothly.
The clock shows 7 h 24 min
